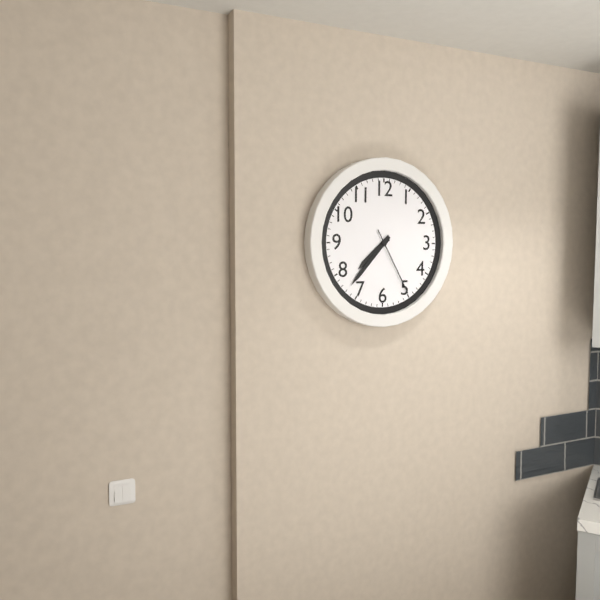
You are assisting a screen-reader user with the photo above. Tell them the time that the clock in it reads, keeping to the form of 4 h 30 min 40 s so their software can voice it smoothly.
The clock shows 7 h 37 min 25 s
